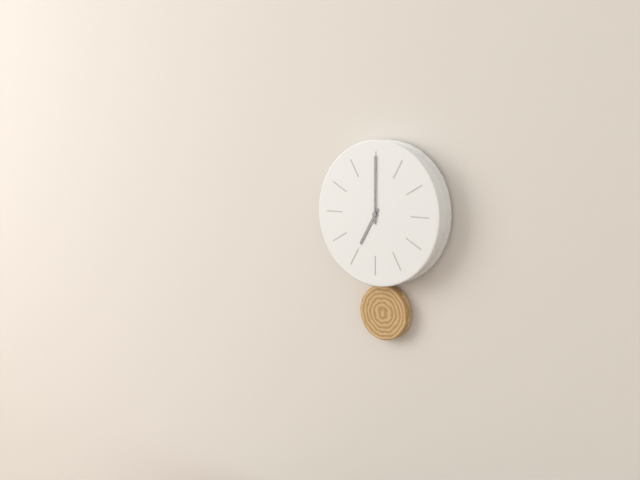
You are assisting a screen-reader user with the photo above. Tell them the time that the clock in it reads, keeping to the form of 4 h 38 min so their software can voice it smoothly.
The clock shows 7 h 00 min
